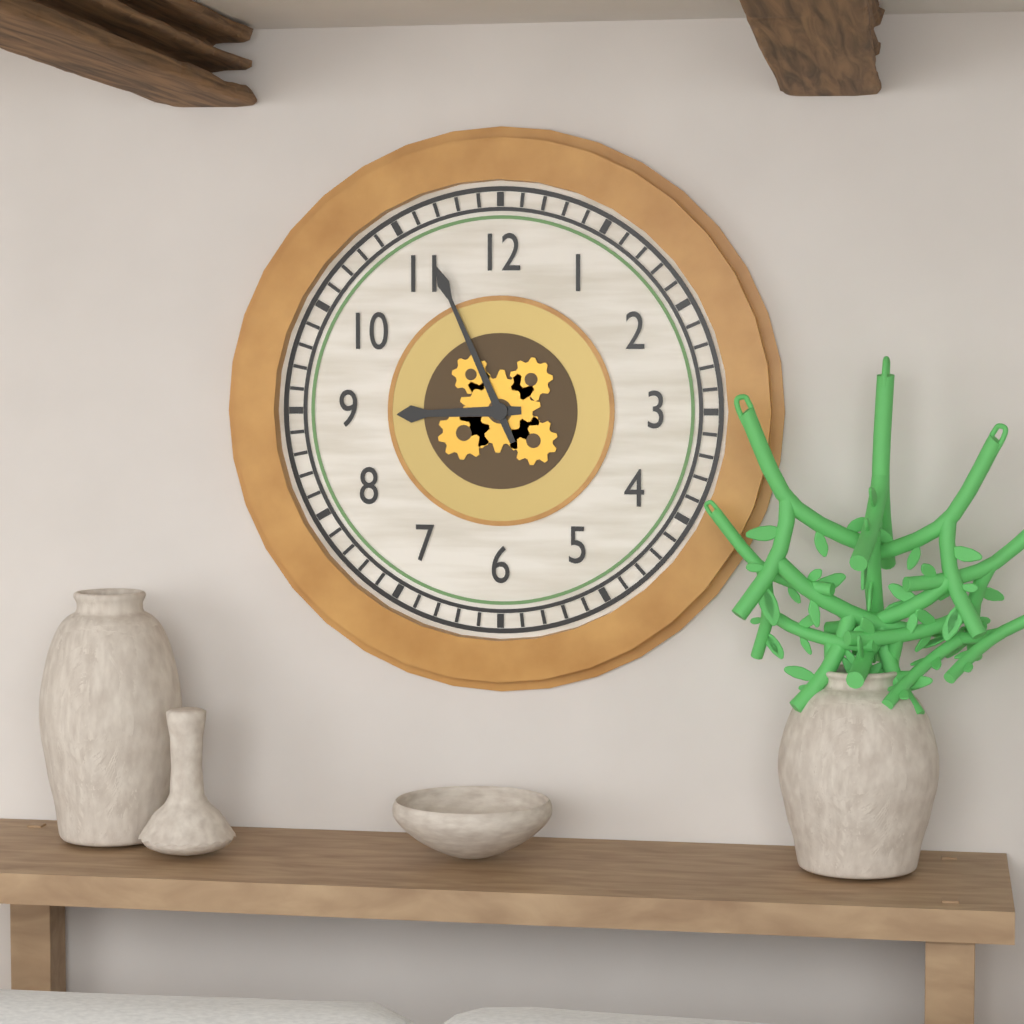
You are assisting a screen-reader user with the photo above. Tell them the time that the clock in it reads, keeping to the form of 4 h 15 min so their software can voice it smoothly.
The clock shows 8 h 56 min
